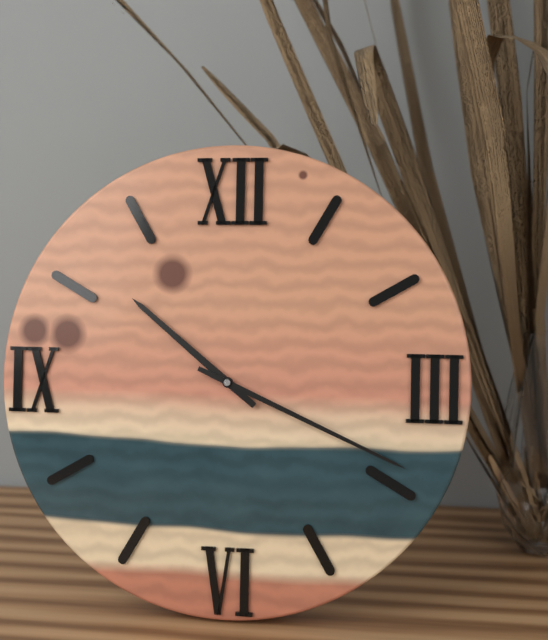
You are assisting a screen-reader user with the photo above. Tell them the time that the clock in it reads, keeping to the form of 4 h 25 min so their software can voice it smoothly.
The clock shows 10 h 19 min
